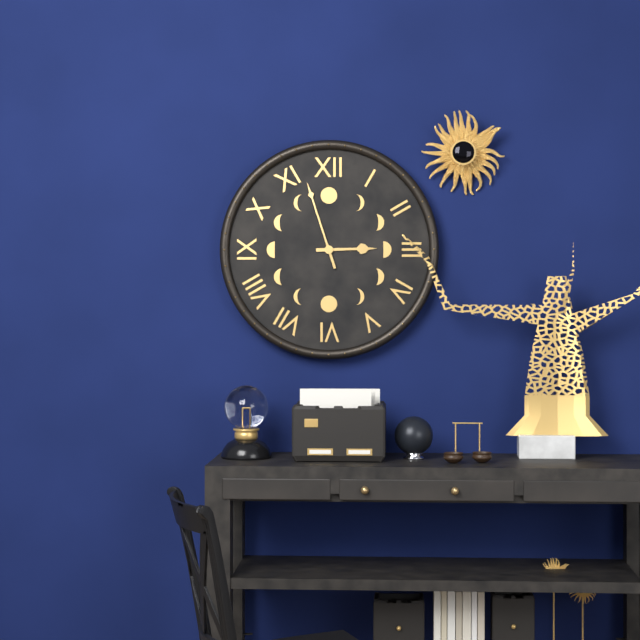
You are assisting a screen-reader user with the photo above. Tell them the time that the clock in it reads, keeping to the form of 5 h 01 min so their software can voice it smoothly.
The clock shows 2 h 57 min
